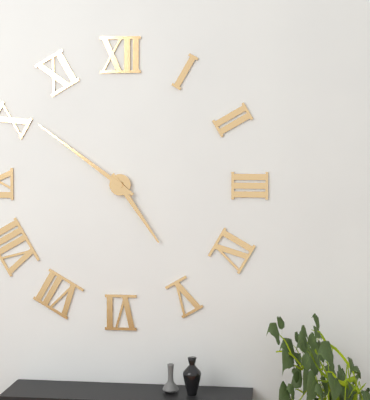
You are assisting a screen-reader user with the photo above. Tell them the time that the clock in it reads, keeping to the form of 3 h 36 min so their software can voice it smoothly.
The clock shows 4 h 51 min
